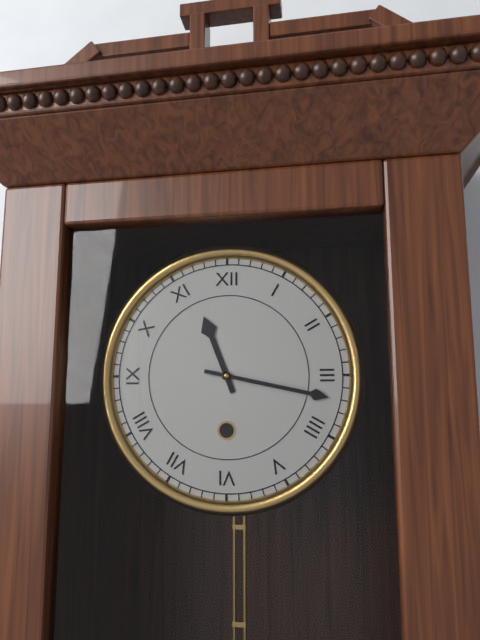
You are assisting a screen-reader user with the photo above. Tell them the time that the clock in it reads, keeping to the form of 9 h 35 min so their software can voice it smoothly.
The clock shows 11 h 17 min
